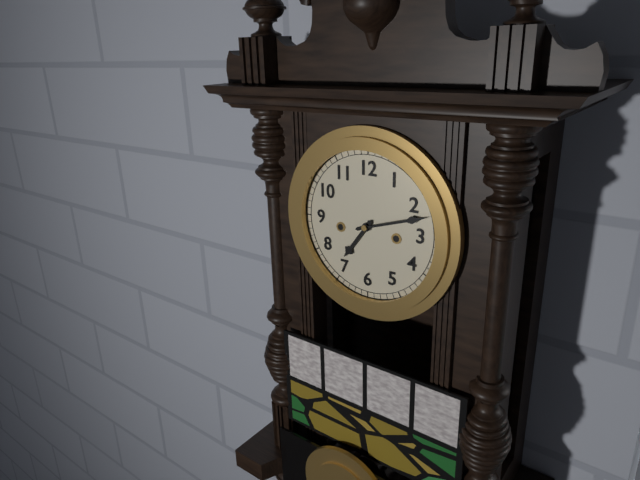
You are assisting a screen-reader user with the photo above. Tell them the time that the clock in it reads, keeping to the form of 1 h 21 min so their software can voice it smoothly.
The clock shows 7 h 12 min
